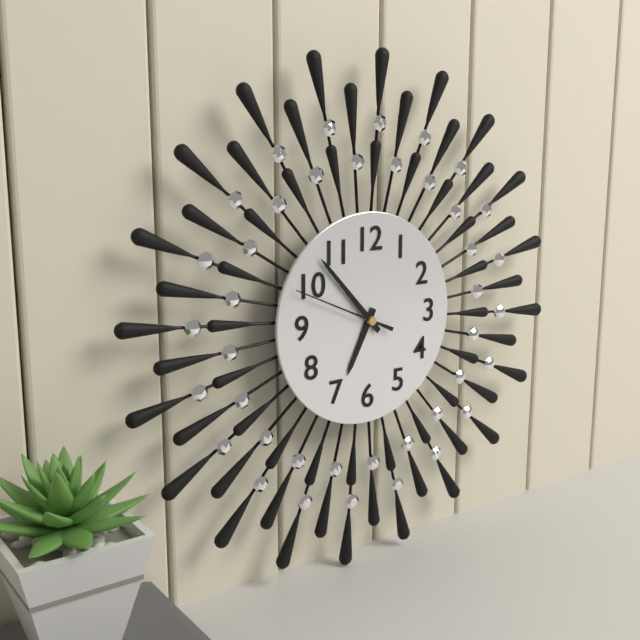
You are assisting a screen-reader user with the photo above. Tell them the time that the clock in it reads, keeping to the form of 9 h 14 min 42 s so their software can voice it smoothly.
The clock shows 6 h 53 min 49 s
